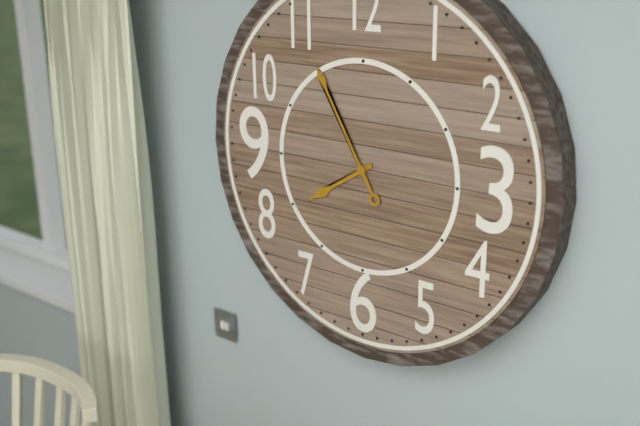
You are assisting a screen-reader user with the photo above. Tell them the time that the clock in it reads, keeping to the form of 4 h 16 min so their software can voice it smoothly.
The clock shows 7 h 55 min
